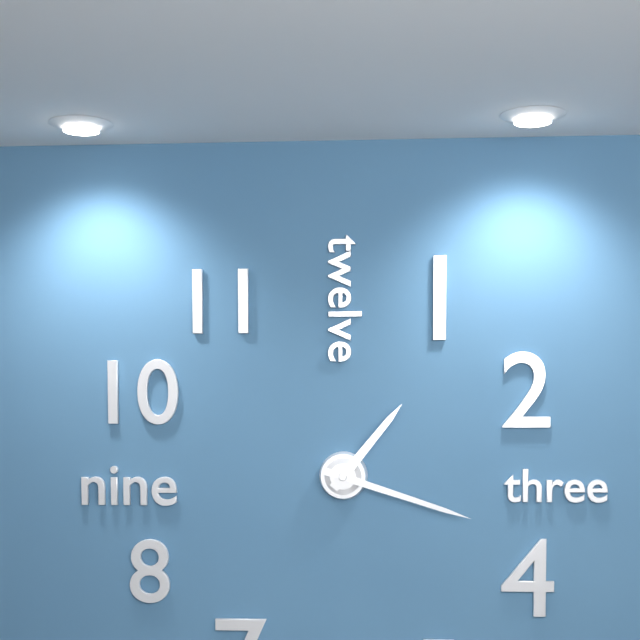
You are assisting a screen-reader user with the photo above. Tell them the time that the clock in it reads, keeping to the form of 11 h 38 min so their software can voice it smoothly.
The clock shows 1 h 18 min
